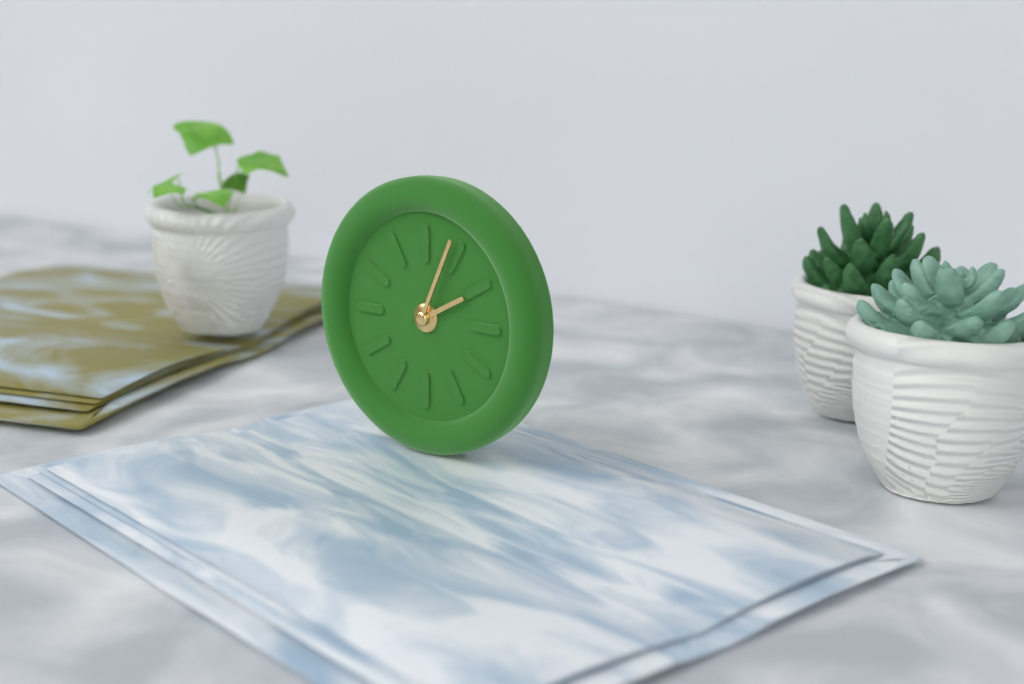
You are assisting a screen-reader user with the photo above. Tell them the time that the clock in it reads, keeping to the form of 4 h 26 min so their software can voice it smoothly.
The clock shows 2 h 04 min
